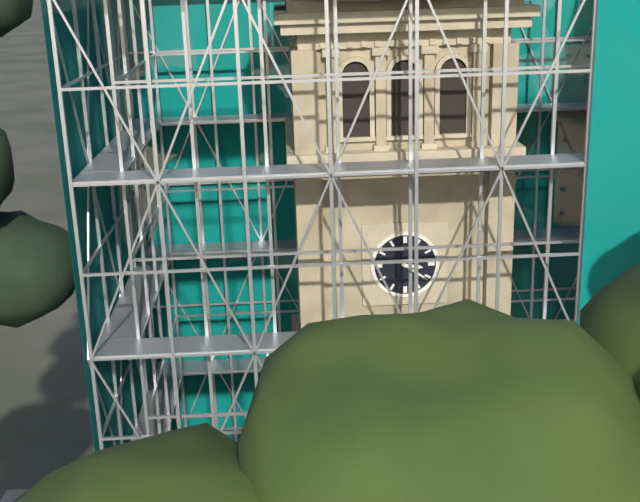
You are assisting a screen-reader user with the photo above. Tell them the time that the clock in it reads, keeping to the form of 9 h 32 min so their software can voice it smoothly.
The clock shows 3 h 21 min
